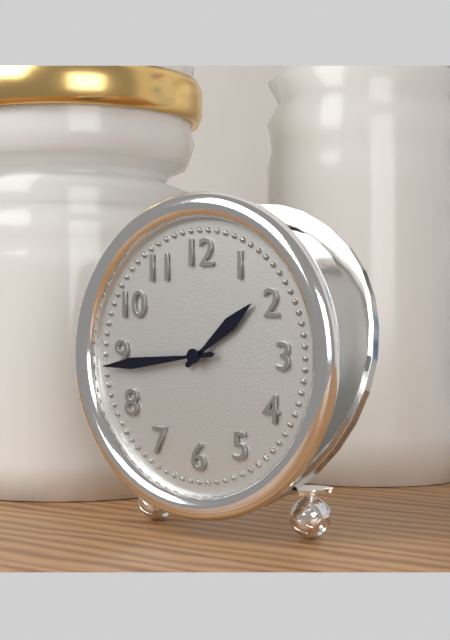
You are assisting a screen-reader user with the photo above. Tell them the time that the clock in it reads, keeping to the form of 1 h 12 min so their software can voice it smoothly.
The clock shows 1 h 44 min
